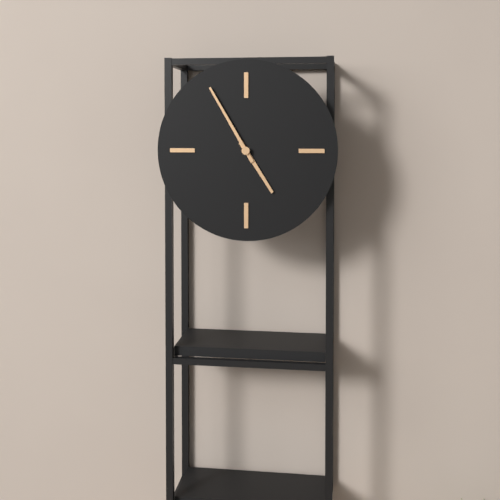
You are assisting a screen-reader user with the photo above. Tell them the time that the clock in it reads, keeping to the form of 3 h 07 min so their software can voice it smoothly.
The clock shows 4 h 55 min
